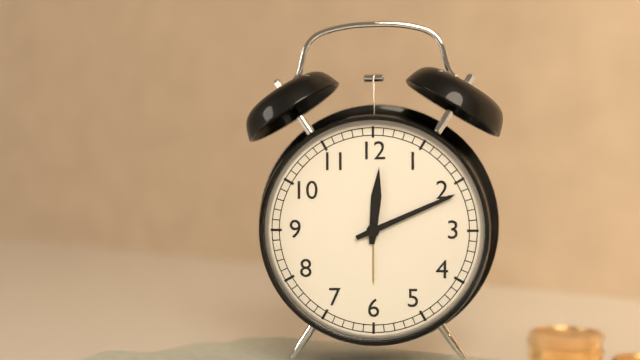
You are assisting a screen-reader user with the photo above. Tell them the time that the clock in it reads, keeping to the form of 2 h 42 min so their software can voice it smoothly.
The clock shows 12 h 11 min
